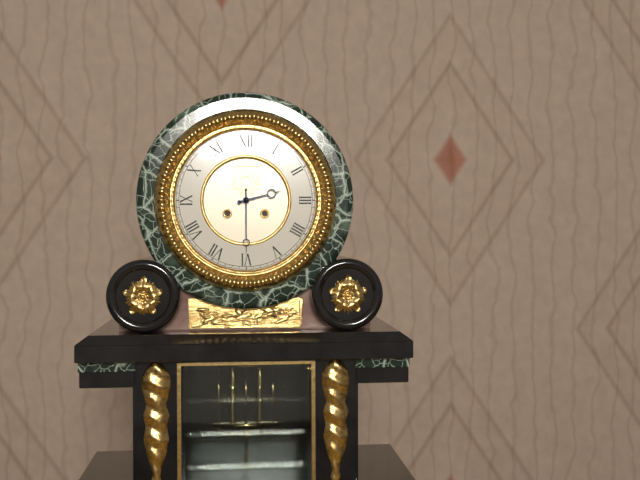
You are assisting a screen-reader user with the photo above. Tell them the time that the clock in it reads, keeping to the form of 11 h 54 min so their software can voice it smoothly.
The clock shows 2 h 30 min
